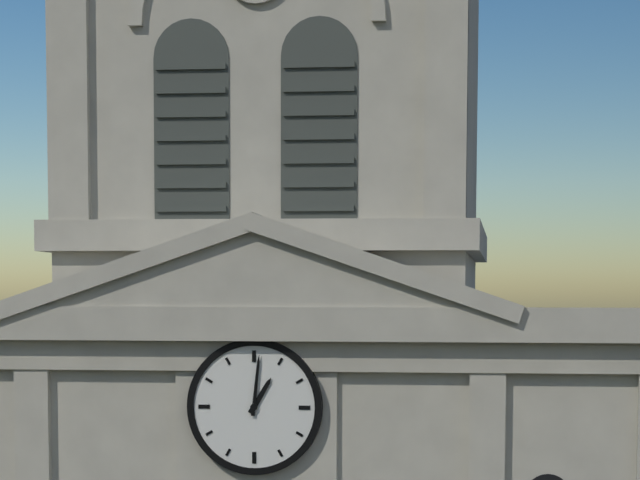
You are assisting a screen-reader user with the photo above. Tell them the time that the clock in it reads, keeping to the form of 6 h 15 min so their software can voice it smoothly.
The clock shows 1 h 01 min
